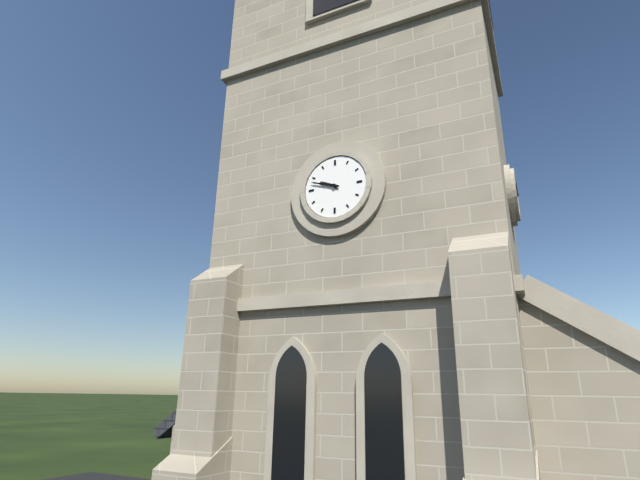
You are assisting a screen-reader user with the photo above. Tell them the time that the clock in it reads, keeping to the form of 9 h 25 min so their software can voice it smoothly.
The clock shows 9 h 48 min
